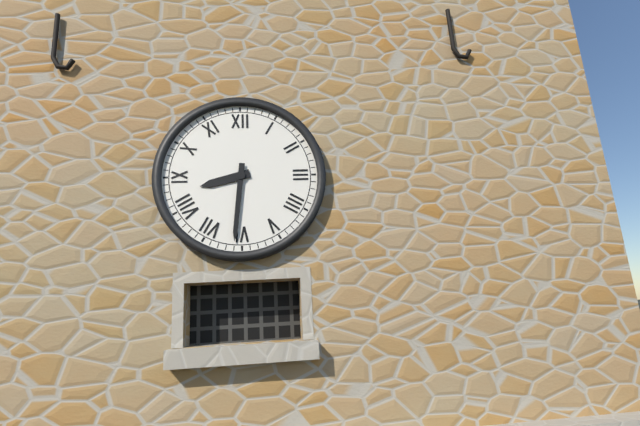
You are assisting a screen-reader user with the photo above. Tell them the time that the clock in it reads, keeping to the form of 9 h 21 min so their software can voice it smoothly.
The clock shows 8 h 31 min
